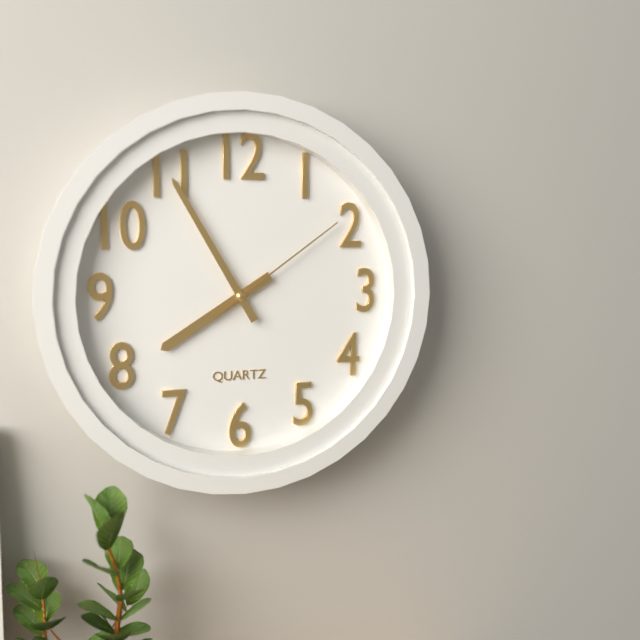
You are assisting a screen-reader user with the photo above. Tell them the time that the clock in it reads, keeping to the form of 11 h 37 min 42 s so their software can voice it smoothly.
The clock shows 7 h 55 min 09 s
